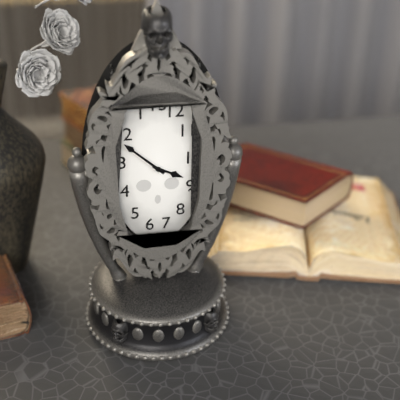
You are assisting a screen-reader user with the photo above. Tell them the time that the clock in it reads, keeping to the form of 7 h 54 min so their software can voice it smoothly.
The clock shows 3 h 52 min
